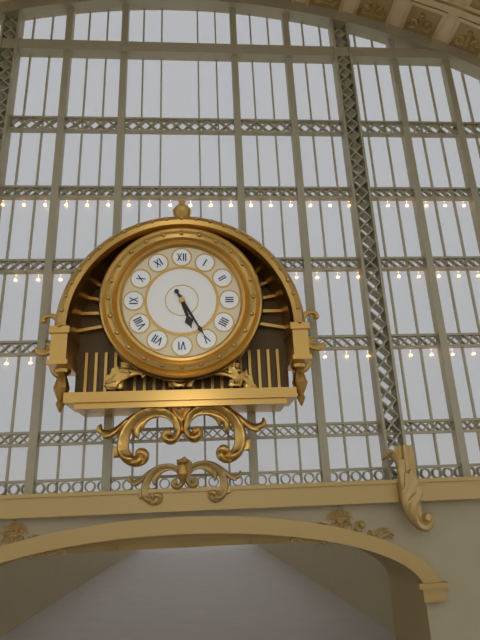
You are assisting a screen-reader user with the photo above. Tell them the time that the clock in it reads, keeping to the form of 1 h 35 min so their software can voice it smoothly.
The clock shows 5 h 25 min
